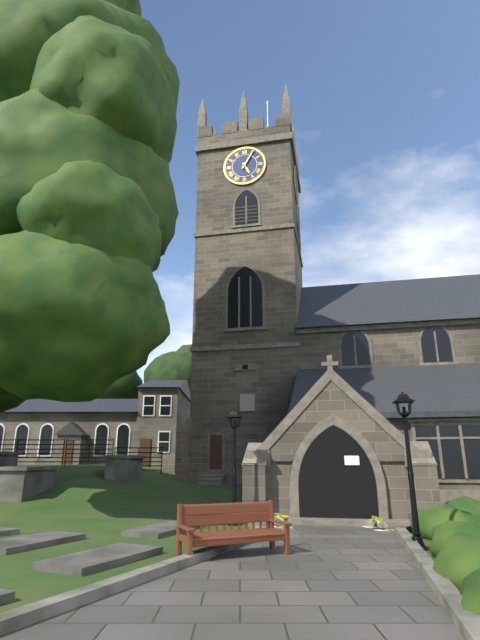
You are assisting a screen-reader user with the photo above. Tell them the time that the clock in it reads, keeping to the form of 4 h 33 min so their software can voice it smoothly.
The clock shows 5 h 05 min
